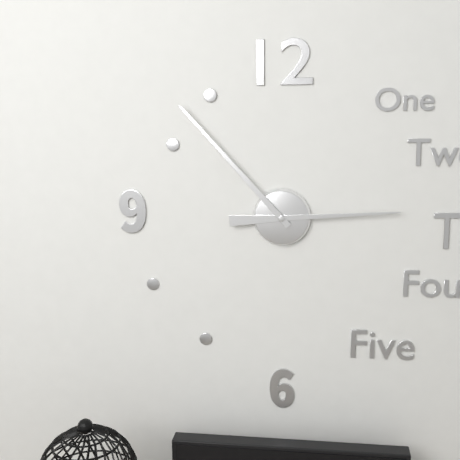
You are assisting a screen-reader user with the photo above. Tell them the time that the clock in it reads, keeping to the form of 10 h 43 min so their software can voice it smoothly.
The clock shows 2 h 53 min
